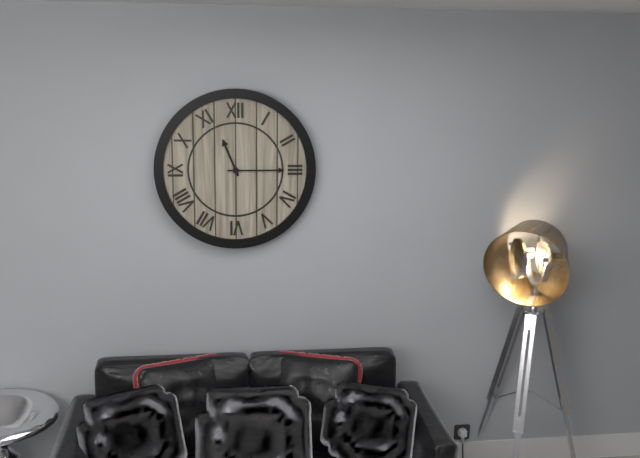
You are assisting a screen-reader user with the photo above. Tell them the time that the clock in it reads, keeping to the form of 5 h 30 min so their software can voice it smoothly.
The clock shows 11 h 15 min
